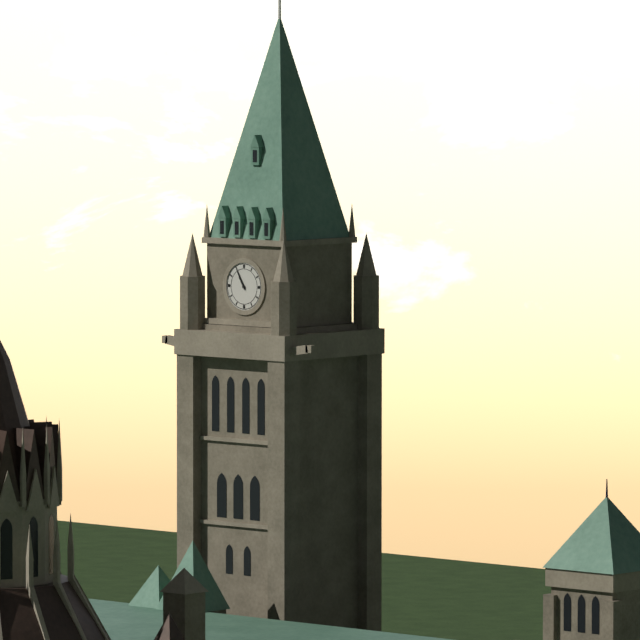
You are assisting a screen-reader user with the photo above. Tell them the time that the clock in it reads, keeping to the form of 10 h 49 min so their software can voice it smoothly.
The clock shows 10 h 55 min
